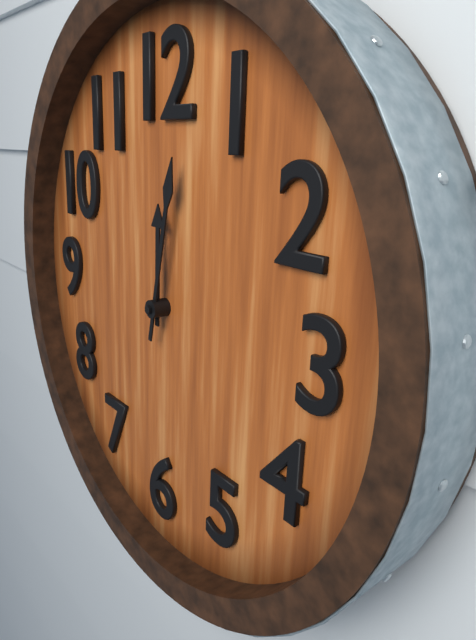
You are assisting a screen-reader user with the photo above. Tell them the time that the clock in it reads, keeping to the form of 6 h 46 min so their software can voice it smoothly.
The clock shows 12 h 02 min
